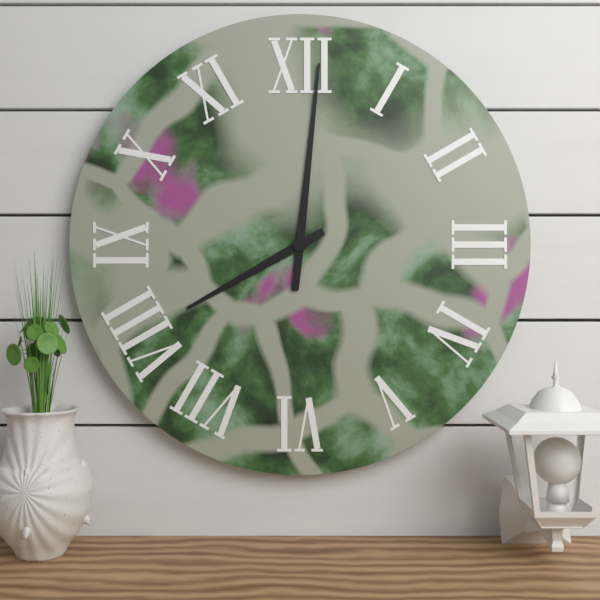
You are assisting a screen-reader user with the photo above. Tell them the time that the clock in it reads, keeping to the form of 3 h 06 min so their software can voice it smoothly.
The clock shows 8 h 01 min
